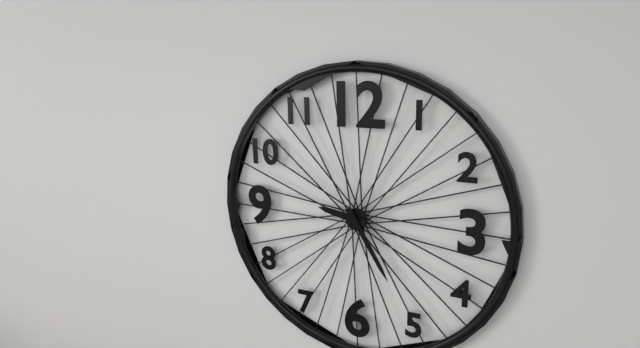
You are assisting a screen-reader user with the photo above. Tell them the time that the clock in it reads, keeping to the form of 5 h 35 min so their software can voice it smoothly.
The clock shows 9 h 25 min
